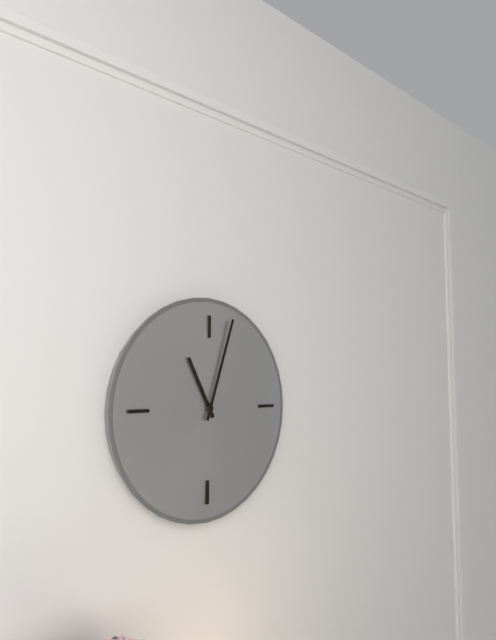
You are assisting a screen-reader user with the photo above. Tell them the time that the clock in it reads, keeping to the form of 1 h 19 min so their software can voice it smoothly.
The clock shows 11 h 03 min
